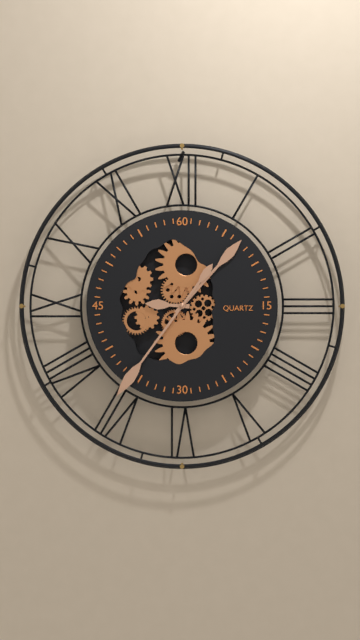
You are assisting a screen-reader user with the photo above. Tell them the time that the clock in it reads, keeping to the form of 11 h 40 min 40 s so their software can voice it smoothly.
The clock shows 9 h 07 min 36 s
